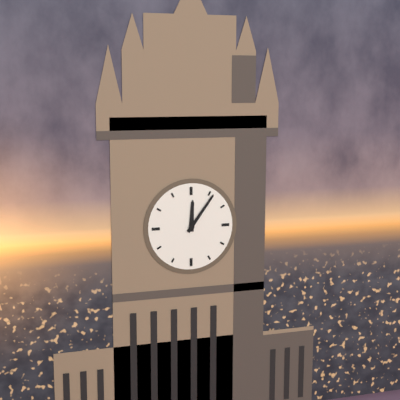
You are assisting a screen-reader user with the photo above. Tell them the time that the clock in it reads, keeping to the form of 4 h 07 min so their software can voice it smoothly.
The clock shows 12 h 06 min
